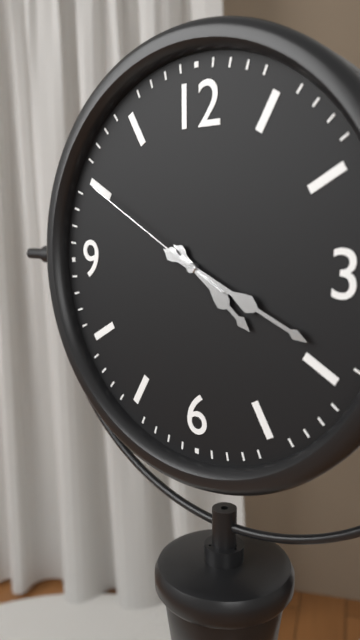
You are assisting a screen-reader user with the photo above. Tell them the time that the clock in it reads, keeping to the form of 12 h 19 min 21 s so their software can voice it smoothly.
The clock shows 4 h 19 min 50 s
